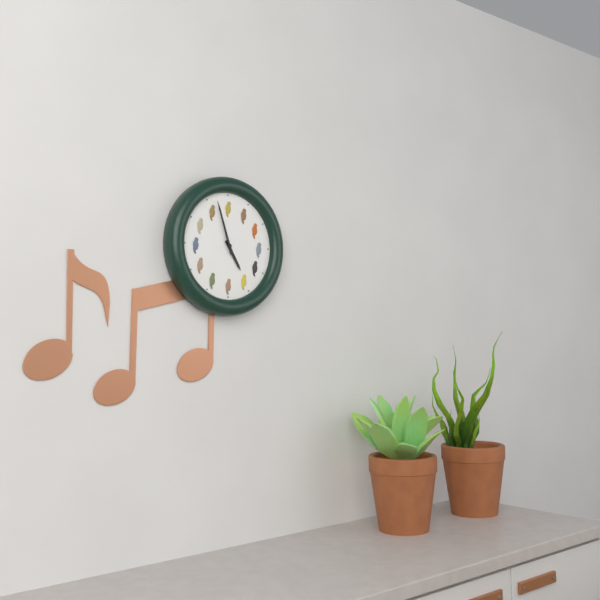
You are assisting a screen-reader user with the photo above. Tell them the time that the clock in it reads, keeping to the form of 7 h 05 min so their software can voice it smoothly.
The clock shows 4 h 57 min
